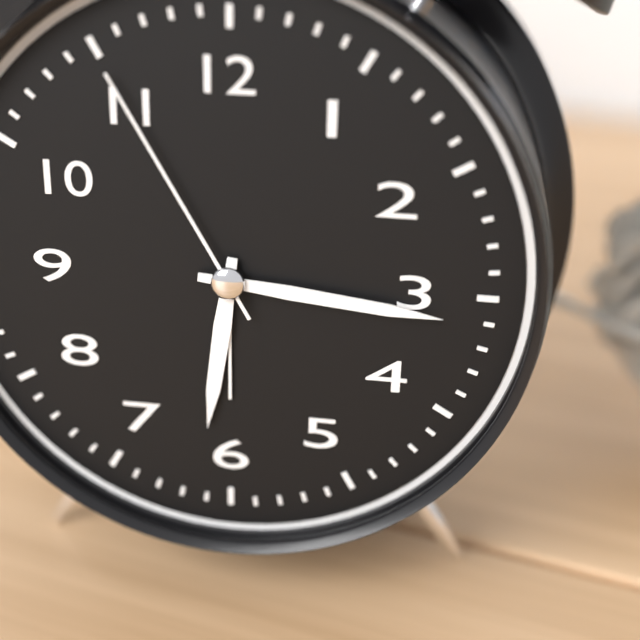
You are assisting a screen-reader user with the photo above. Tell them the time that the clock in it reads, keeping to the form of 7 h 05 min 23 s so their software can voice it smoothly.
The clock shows 6 h 16 min 55 s
